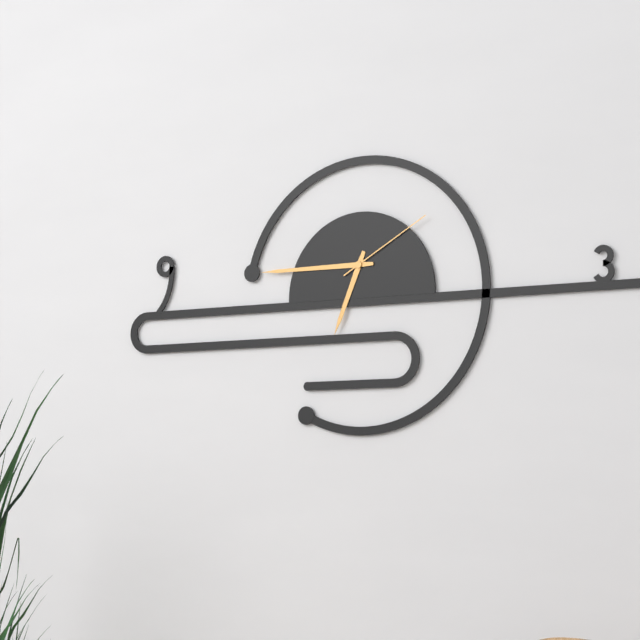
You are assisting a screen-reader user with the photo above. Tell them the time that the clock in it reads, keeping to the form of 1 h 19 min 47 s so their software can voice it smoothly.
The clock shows 6 h 45 min 10 s
